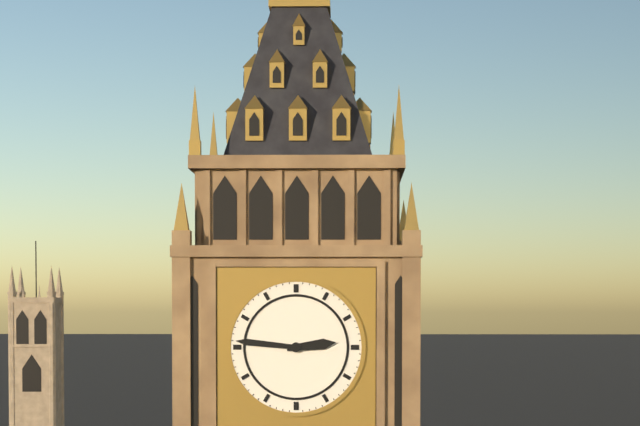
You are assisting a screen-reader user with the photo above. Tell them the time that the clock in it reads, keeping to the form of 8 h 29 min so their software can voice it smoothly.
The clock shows 2 h 46 min
